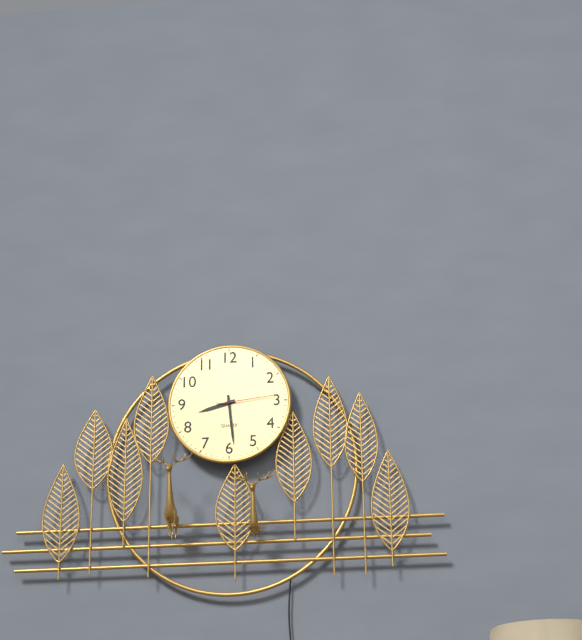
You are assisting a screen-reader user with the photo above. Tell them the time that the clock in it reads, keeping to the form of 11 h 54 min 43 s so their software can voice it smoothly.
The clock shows 8 h 29 min 14 s
